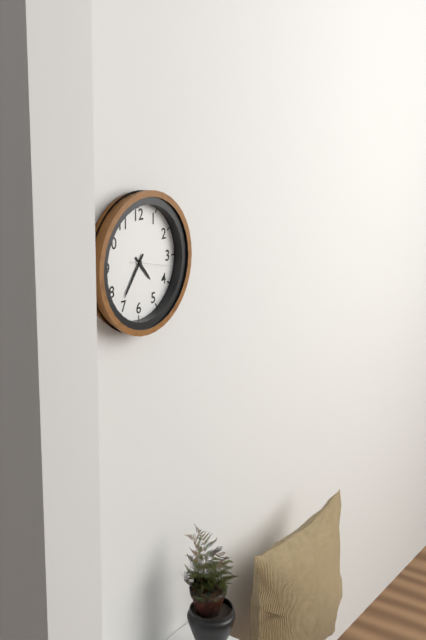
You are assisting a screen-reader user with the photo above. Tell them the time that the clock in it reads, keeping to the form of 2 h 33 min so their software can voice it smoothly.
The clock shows 4 h 36 min
